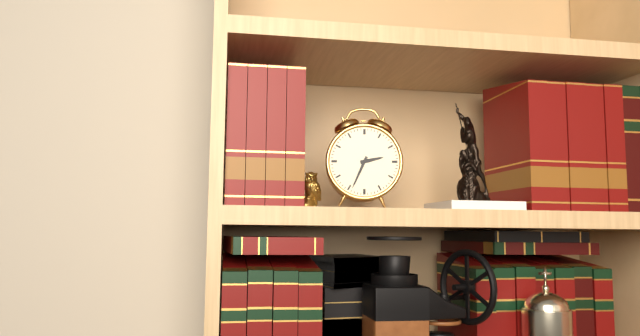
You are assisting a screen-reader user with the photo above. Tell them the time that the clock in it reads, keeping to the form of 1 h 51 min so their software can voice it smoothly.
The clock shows 2 h 34 min
